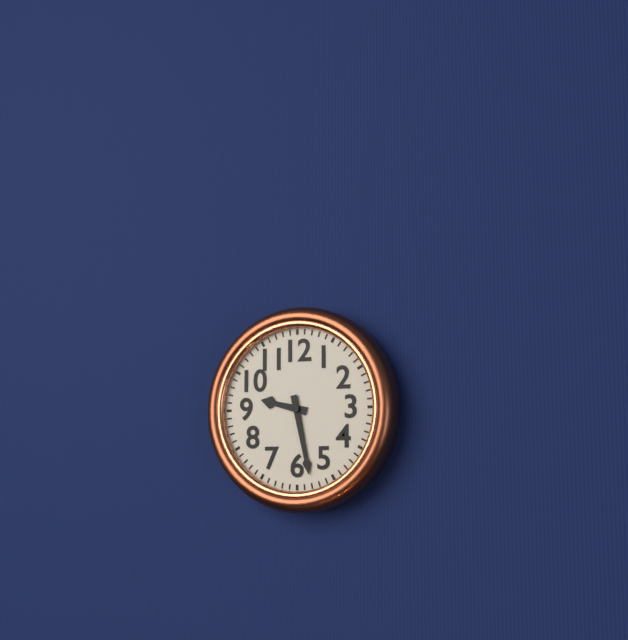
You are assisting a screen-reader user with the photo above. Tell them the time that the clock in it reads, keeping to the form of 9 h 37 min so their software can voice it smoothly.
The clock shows 9 h 28 min
